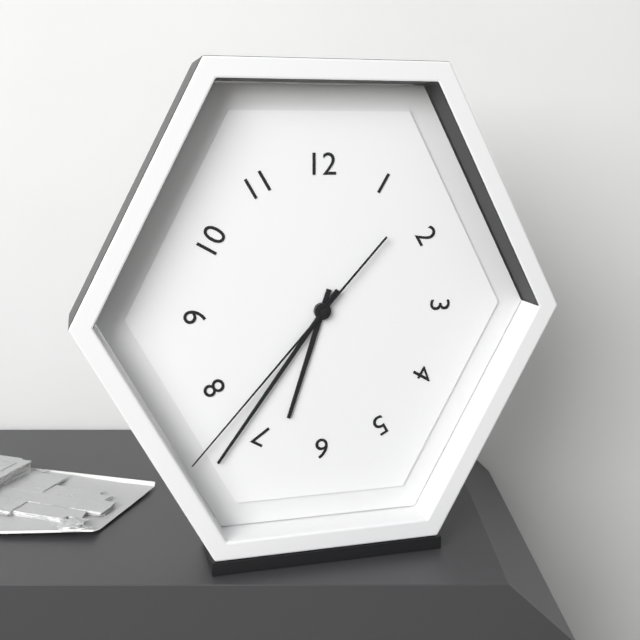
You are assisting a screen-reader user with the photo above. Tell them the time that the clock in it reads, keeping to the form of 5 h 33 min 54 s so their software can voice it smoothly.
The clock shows 6 h 36 min 37 s
